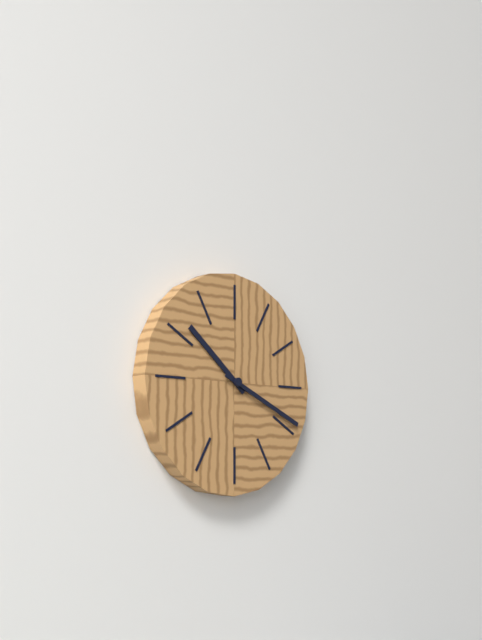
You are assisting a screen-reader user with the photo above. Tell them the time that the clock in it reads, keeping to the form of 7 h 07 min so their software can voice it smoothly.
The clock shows 10 h 19 min
